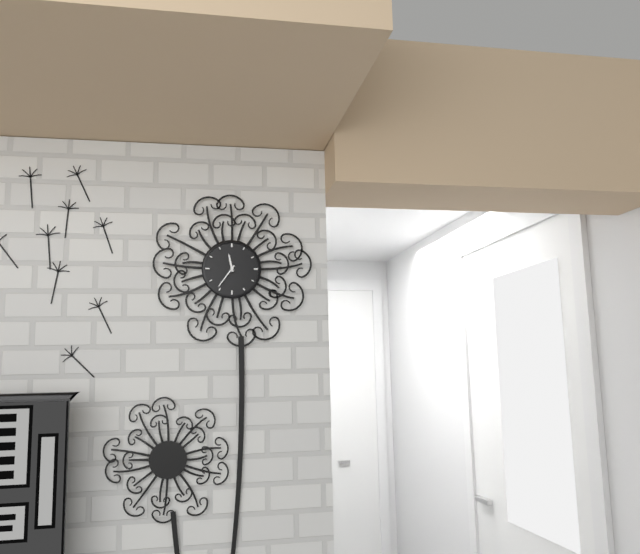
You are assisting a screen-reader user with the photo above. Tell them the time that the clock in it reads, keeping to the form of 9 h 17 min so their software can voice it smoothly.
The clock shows 11 h 36 min
